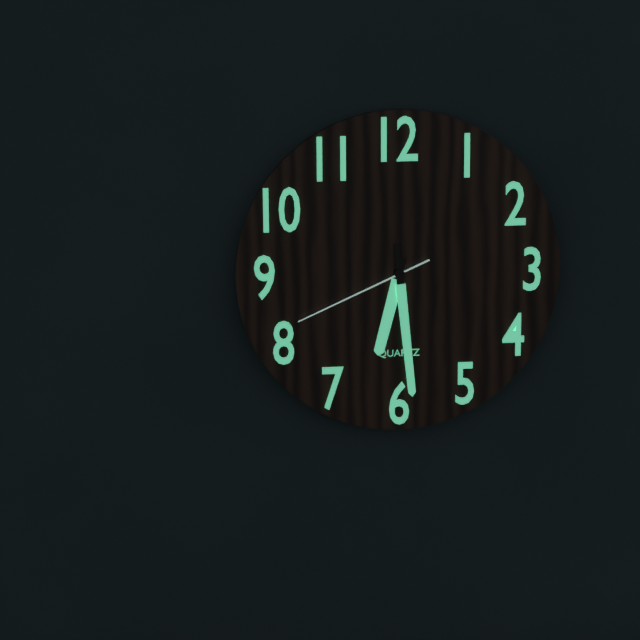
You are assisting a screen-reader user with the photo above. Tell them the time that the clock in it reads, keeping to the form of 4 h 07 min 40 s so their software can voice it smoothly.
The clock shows 6 h 29 min 41 s
